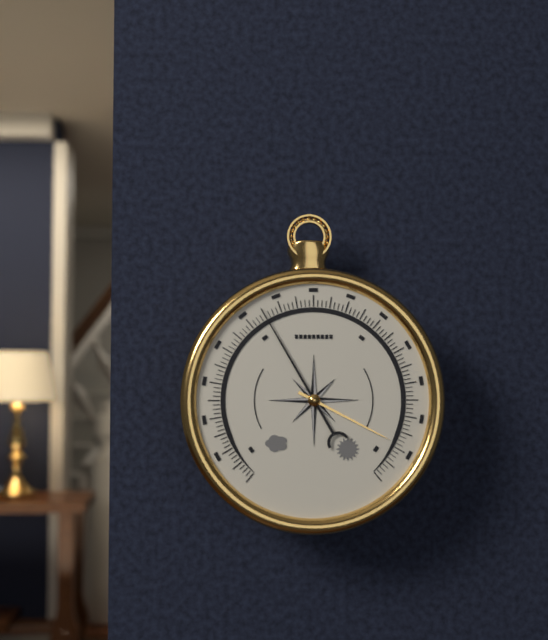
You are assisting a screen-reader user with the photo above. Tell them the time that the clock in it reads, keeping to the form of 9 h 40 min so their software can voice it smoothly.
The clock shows 3 h 55 min
